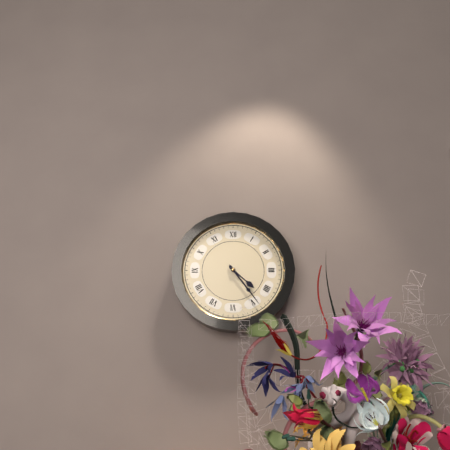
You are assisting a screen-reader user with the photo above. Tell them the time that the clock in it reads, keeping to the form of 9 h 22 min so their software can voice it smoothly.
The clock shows 4 h 24 min
